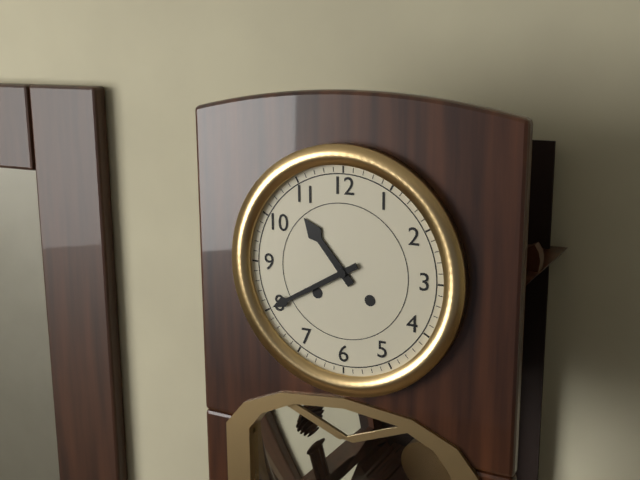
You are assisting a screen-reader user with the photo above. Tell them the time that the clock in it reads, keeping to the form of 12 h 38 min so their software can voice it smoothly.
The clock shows 10 h 40 min
